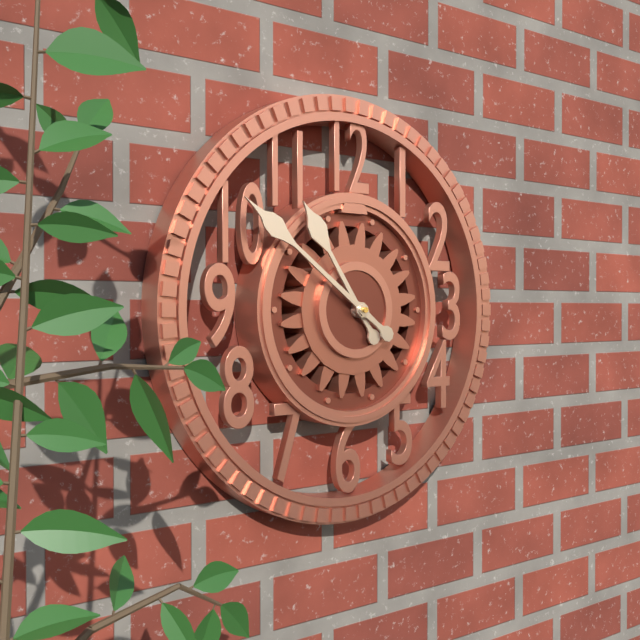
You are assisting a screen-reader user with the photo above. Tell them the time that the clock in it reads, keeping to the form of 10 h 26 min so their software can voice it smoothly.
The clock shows 10 h 51 min
